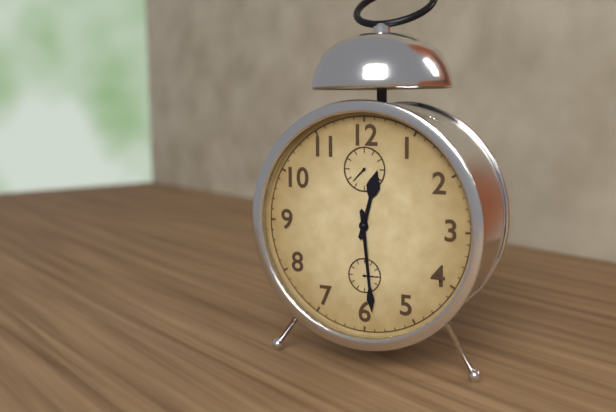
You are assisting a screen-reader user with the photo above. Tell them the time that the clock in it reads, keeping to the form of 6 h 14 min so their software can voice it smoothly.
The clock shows 12 h 29 min
